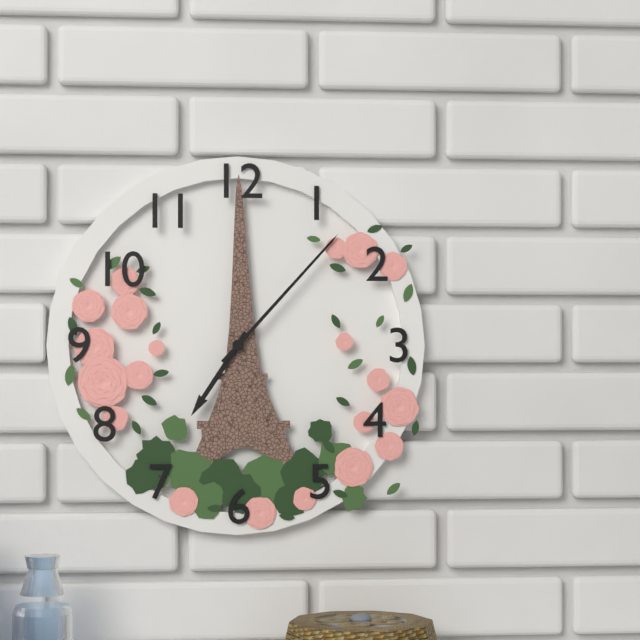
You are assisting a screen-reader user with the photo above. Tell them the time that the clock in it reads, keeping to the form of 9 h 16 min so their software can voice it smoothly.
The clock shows 7 h 07 min
